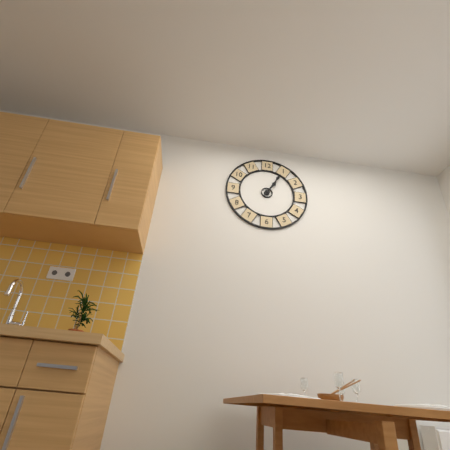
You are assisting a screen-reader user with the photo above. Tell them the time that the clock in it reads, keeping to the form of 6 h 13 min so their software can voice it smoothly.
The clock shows 1 h 05 min
